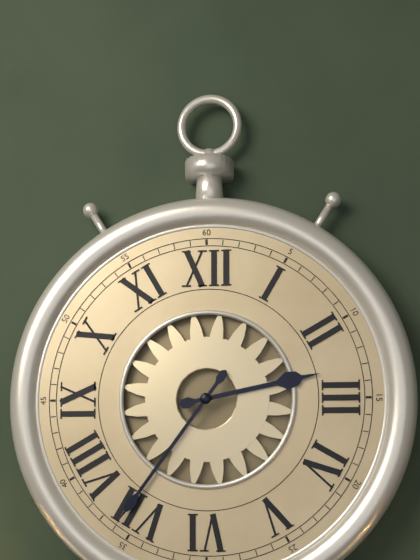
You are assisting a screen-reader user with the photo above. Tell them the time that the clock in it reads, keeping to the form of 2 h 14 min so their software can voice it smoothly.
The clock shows 2 h 36 min
